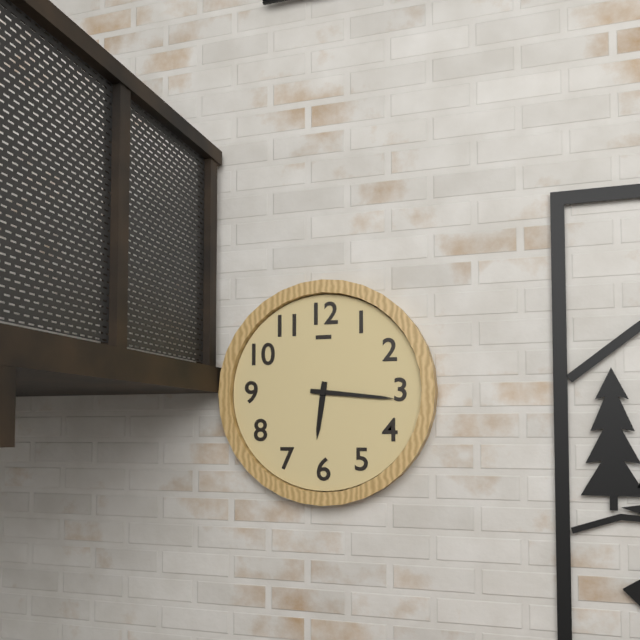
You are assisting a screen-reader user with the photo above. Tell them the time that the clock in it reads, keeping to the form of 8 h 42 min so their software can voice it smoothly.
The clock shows 6 h 16 min
